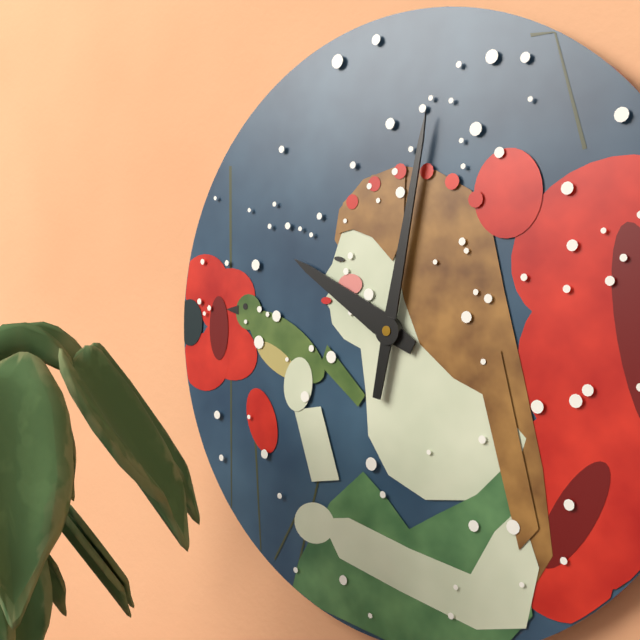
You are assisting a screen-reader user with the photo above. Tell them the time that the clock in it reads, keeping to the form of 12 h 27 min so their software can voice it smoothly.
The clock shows 10 h 02 min
